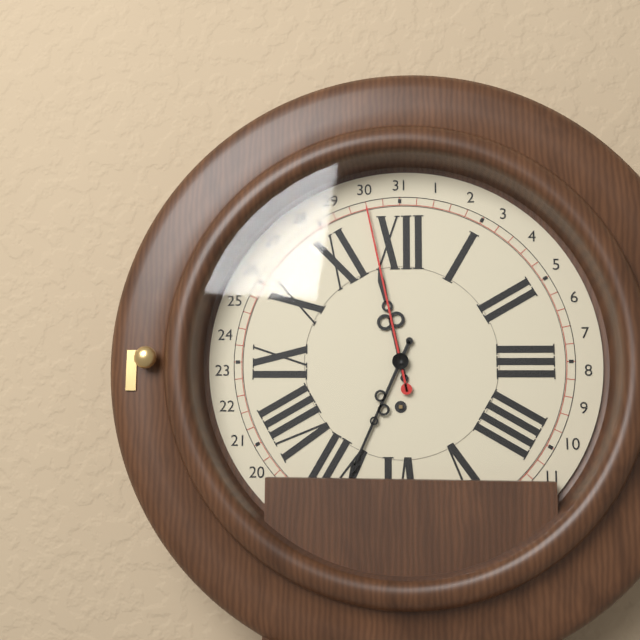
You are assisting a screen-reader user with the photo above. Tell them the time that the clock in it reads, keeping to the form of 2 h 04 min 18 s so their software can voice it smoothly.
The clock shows 11 h 34 min 58 s
